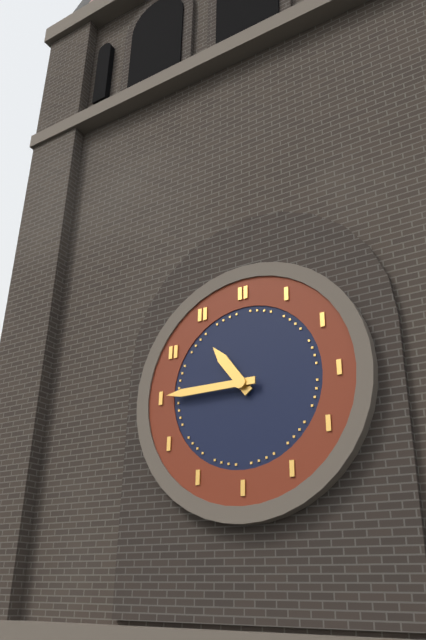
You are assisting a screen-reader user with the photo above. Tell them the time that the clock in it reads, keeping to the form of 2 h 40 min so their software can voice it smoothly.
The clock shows 10 h 45 min
